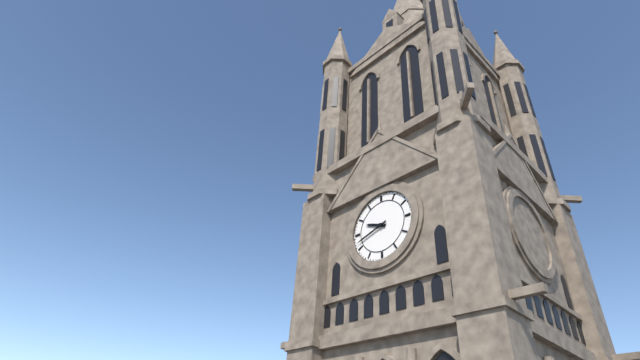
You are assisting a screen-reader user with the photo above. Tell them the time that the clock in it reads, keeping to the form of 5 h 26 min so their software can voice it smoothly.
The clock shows 9 h 42 min
